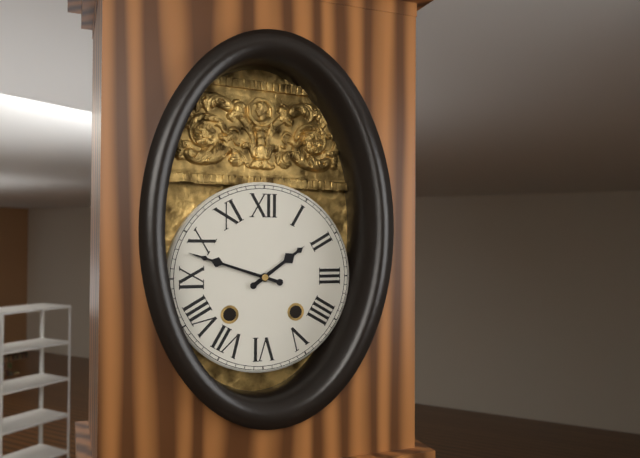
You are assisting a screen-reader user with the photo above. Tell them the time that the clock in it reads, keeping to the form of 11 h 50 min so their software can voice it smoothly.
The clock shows 1 h 48 min
